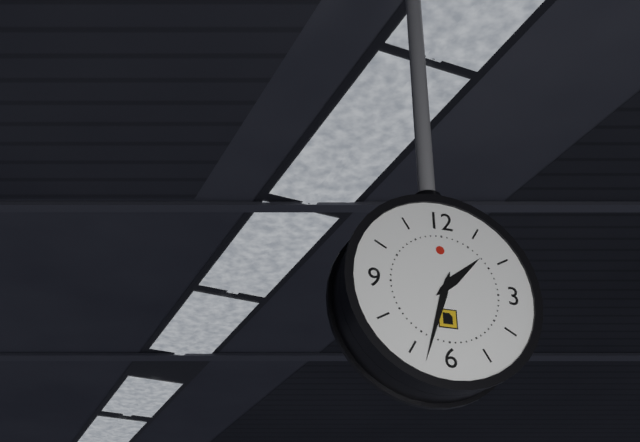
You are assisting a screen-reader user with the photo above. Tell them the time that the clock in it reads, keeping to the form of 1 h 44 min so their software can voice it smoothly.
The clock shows 1 h 33 min
